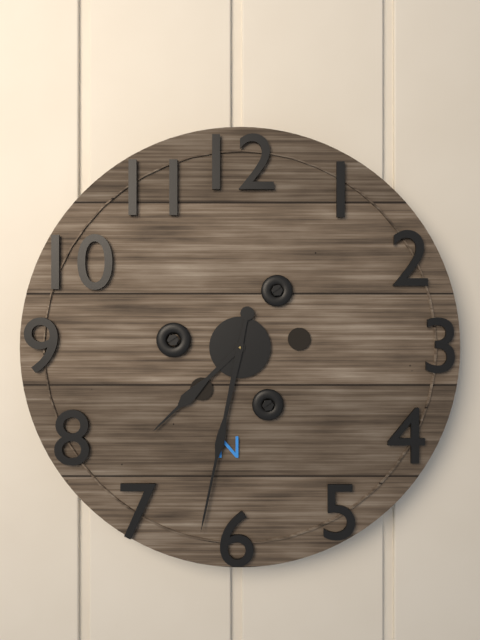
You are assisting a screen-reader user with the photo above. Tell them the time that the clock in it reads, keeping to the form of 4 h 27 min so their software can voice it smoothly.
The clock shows 7 h 32 min
